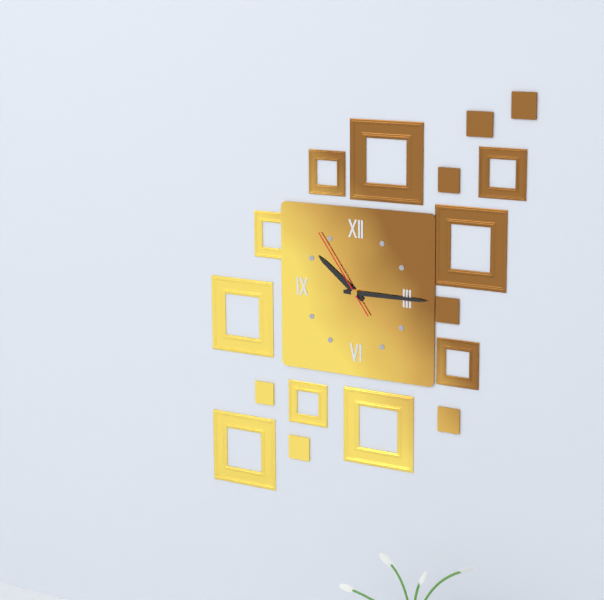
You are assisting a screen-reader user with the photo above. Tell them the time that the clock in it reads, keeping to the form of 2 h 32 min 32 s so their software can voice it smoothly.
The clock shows 10 h 15 min 54 s
